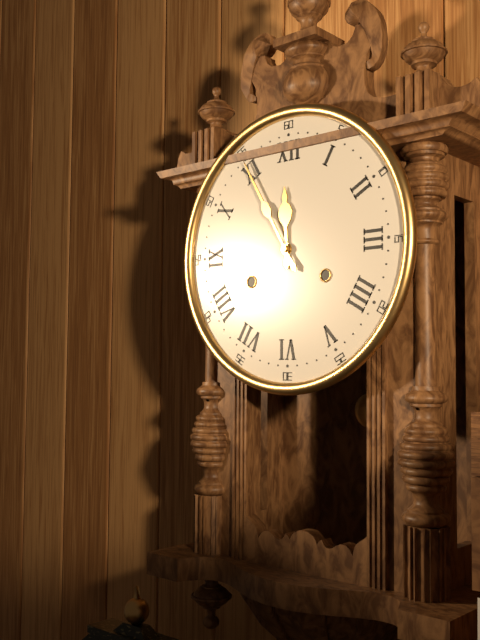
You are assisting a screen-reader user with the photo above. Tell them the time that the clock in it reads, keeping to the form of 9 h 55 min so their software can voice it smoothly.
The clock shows 11 h 55 min
